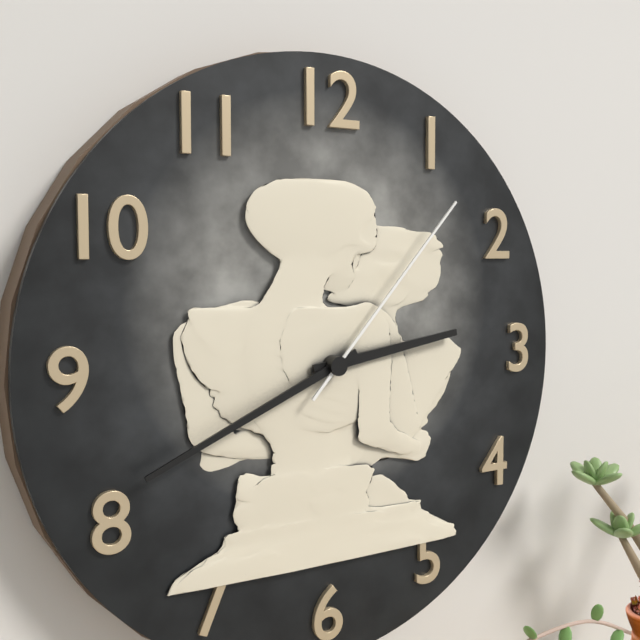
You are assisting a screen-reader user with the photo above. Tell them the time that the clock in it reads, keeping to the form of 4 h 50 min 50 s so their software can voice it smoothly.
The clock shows 2 h 41 min 07 s
